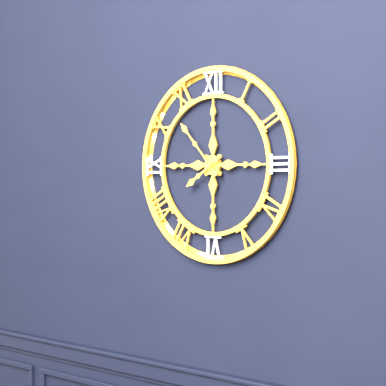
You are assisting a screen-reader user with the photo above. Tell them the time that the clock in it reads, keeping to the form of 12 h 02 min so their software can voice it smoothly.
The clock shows 7 h 53 min
